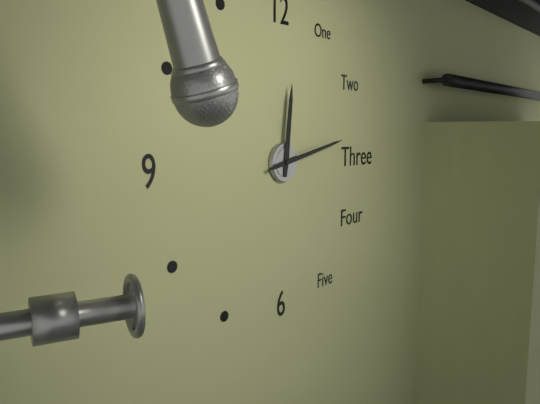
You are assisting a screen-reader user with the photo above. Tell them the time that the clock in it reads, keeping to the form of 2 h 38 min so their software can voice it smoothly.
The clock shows 12 h 13 min
